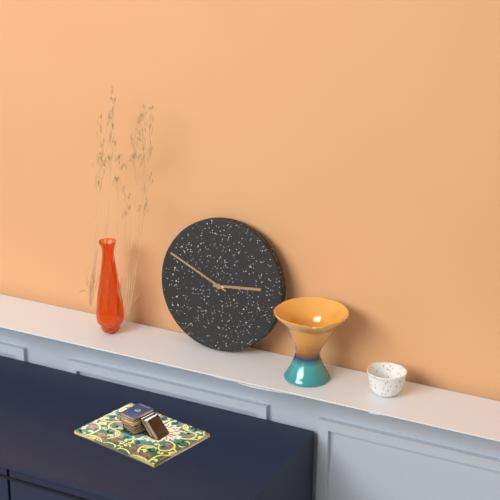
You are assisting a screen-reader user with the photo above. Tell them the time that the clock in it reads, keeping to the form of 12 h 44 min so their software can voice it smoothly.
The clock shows 2 h 49 min
